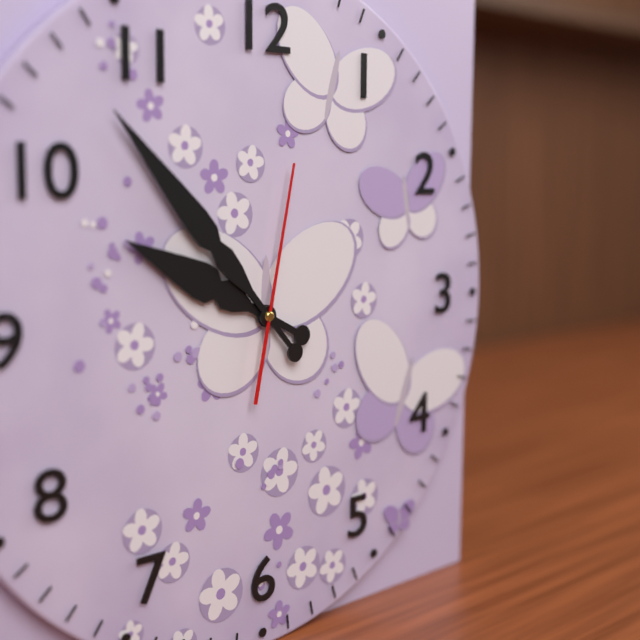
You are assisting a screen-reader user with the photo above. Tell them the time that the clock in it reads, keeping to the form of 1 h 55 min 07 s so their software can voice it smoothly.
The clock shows 9 h 53 min 02 s
